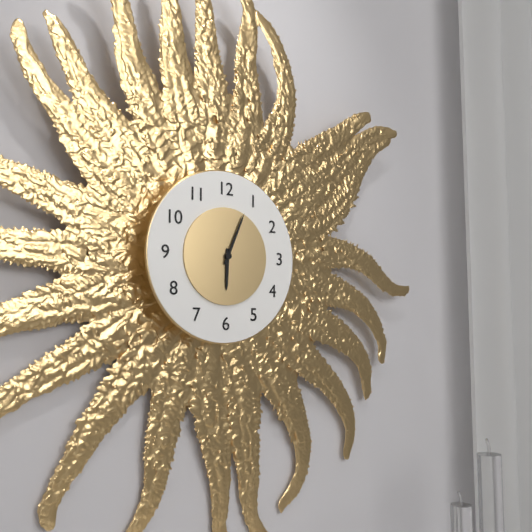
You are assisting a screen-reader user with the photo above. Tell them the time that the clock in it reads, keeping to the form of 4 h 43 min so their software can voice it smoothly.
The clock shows 6 h 04 min
